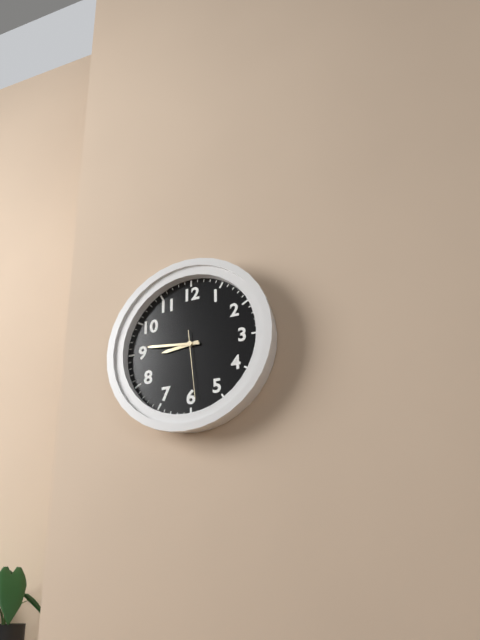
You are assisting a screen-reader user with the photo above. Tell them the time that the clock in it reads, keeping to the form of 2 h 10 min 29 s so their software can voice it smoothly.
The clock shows 8 h 46 min 29 s
